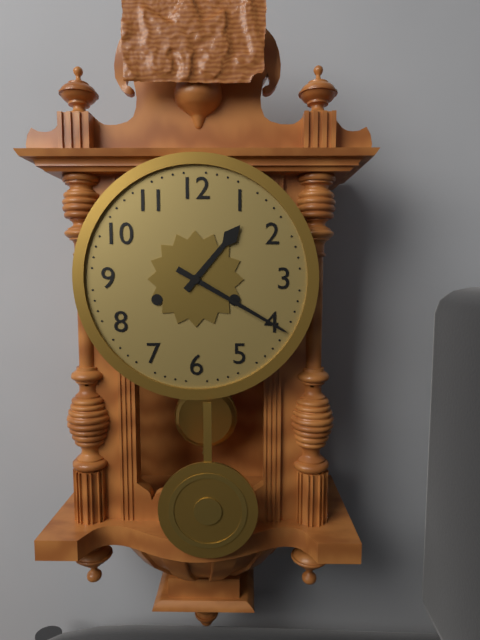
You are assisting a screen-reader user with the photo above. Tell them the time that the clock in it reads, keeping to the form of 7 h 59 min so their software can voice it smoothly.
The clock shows 1 h 20 min
